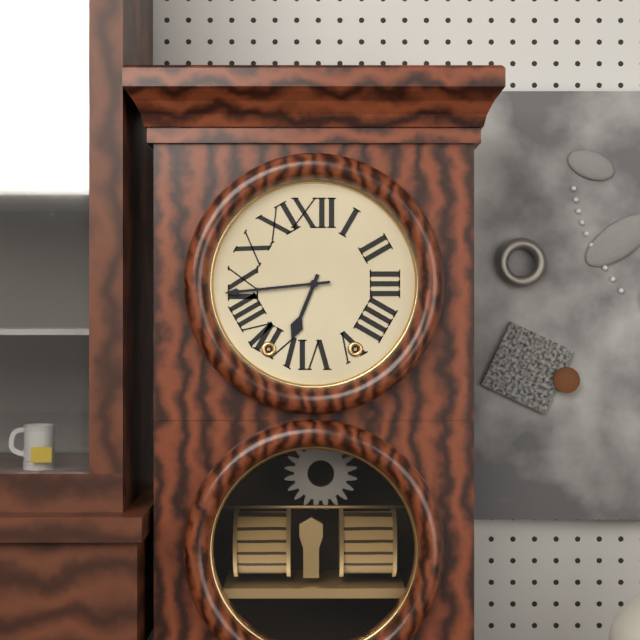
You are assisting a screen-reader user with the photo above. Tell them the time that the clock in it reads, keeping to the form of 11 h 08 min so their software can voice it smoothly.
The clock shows 6 h 44 min
